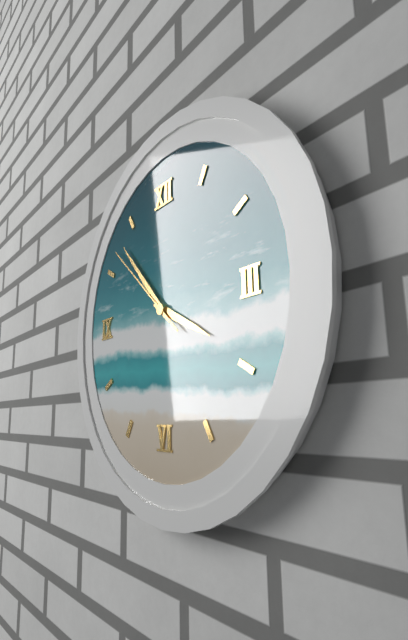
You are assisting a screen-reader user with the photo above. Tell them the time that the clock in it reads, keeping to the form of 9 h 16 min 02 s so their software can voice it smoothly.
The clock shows 3 h 53 min 52 s
